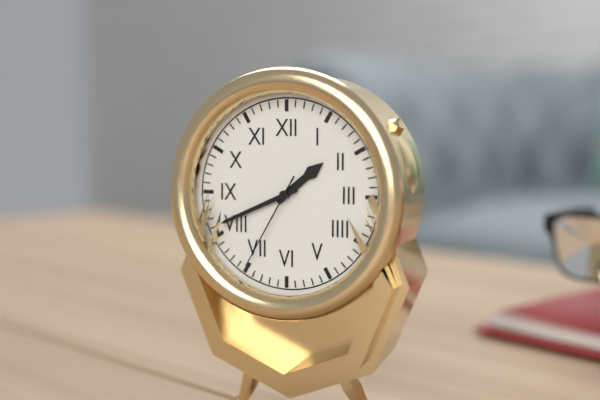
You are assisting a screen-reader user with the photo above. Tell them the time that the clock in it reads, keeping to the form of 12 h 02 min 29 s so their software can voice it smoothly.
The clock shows 1 h 41 min 35 s
